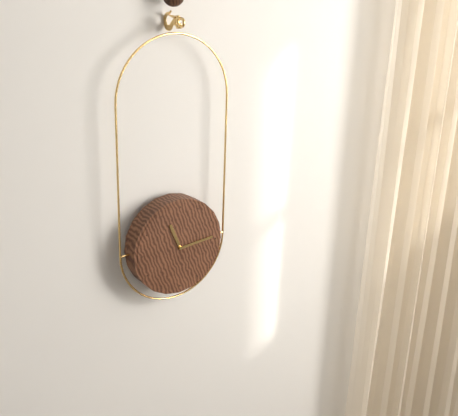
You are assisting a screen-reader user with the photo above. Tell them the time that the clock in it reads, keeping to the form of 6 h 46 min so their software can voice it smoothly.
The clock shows 11 h 14 min
